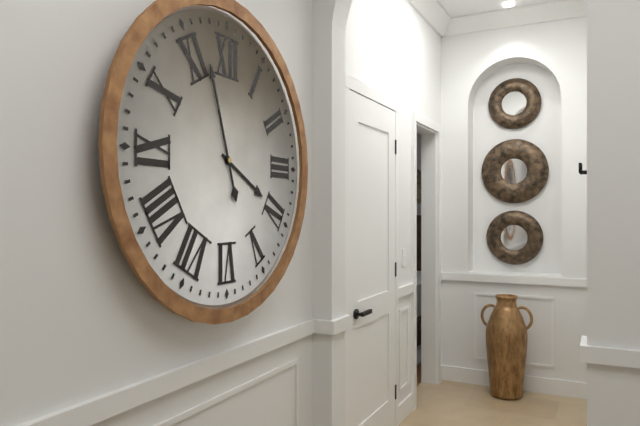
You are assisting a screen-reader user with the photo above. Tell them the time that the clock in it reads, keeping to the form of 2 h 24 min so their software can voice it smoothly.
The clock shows 3 h 57 min
